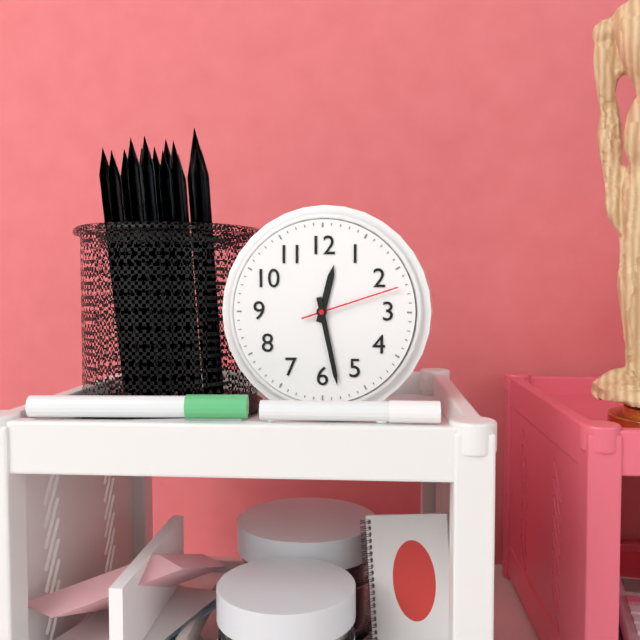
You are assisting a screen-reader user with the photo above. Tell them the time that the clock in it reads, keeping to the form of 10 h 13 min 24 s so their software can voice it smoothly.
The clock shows 12 h 28 min 12 s
